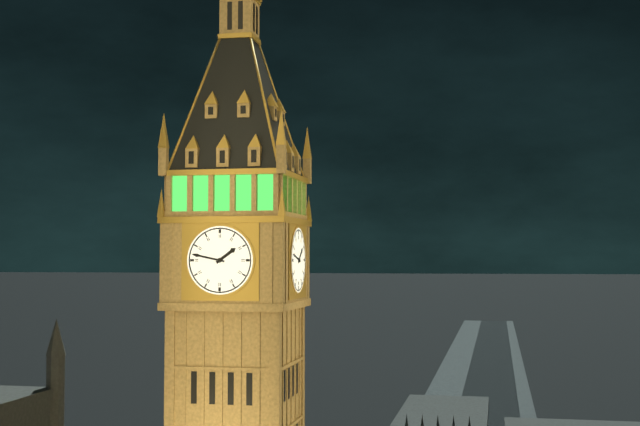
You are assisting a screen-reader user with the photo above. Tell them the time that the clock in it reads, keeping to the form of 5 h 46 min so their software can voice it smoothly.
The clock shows 1 h 47 min
